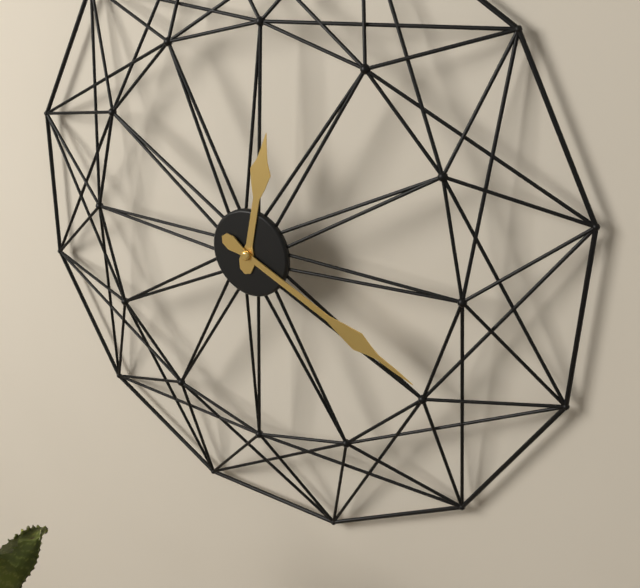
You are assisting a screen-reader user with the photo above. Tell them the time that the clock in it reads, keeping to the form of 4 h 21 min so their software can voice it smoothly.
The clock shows 12 h 19 min
